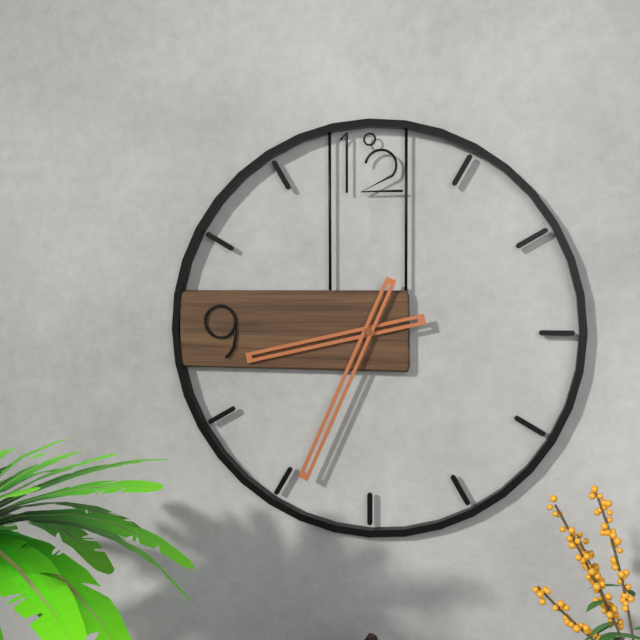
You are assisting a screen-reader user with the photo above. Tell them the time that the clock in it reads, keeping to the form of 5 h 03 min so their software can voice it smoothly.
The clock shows 8 h 34 min
